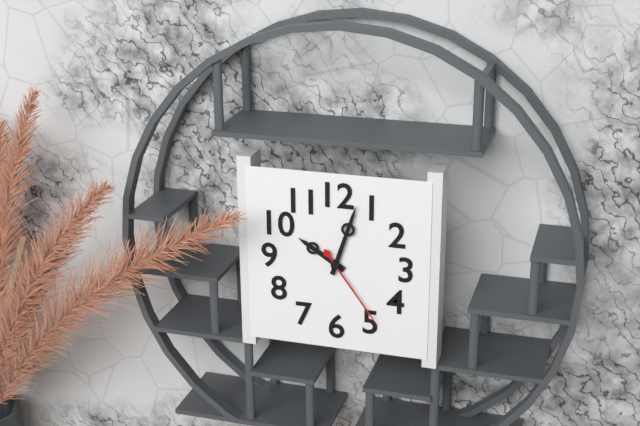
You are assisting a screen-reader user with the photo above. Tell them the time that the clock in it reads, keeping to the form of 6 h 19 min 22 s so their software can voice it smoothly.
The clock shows 10 h 03 min 24 s
